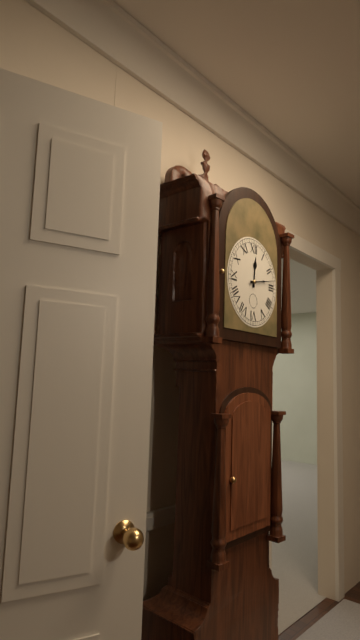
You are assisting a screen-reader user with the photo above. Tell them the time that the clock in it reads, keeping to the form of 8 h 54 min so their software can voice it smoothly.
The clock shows 12 h 13 min
